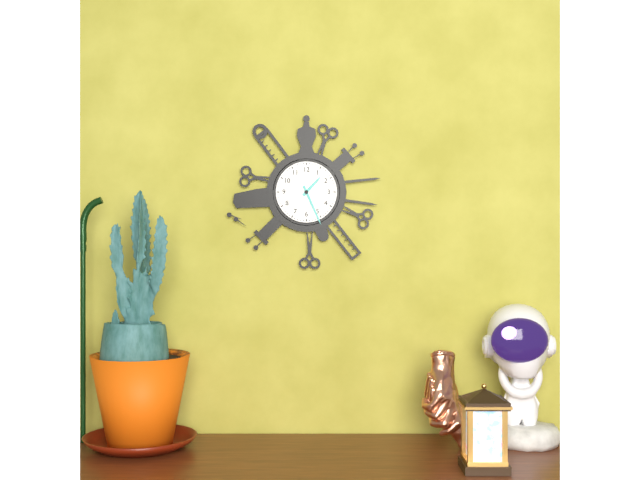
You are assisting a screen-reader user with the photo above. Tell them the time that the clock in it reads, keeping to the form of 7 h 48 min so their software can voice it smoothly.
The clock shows 1 h 26 min
